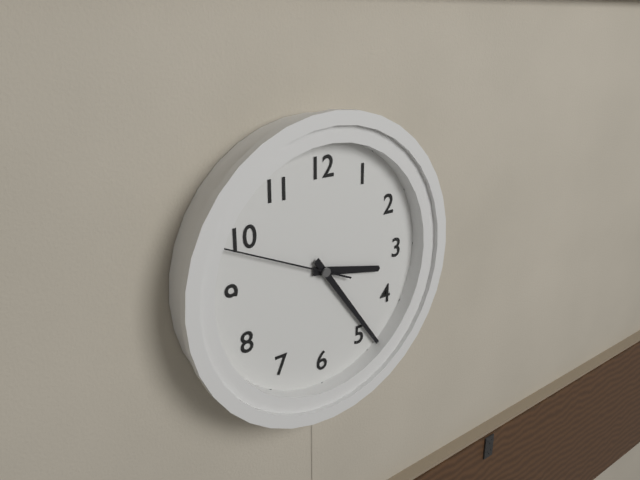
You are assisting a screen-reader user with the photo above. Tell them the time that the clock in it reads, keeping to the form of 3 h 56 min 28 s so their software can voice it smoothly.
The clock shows 3 h 24 min 49 s
